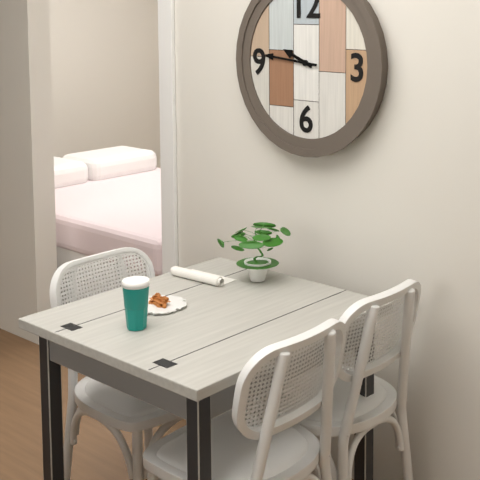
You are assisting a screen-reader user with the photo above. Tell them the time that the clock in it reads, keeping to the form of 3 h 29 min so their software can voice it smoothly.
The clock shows 9 h 46 min
